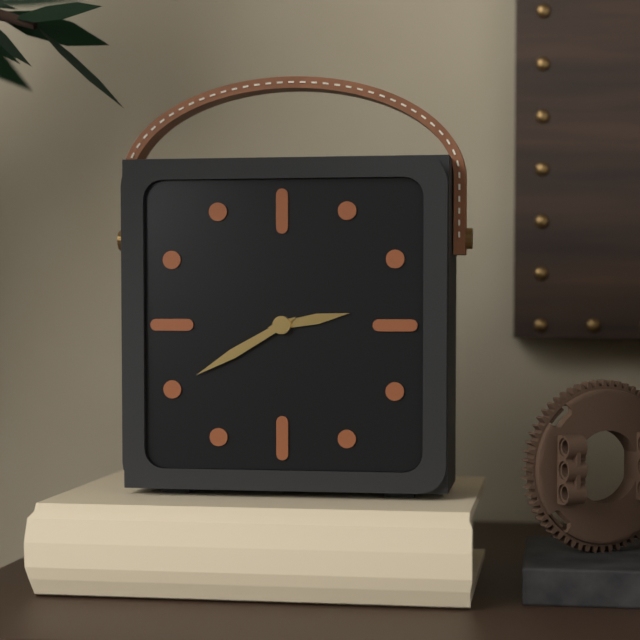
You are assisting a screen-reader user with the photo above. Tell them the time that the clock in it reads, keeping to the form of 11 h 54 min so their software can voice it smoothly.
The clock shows 2 h 40 min
